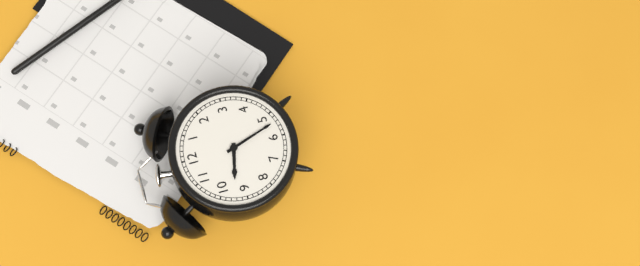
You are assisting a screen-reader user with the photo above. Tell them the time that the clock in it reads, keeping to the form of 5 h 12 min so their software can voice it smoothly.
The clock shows 9 h 27 min
